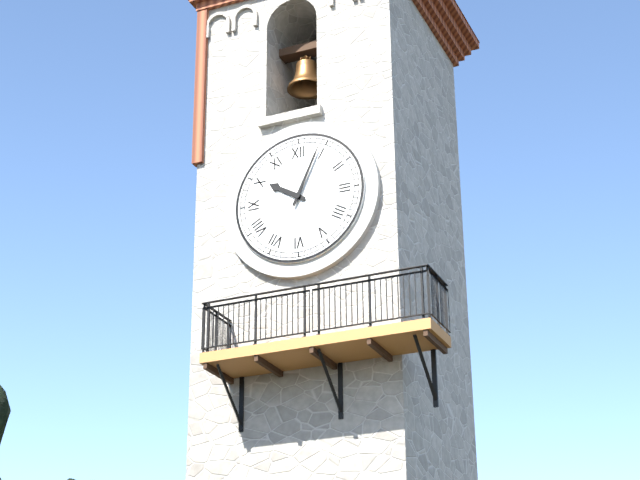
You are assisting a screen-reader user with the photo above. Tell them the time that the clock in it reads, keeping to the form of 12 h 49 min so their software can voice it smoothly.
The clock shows 10 h 04 min
